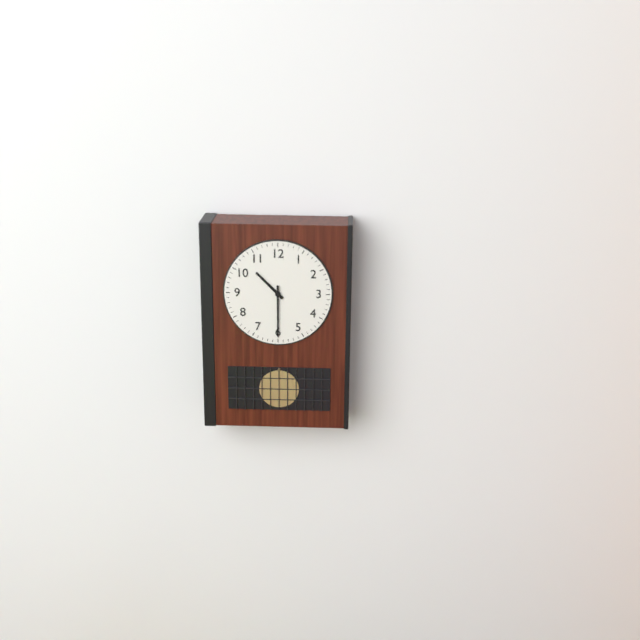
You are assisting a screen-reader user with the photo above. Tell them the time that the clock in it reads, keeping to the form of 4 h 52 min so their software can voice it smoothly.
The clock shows 10 h 30 min
